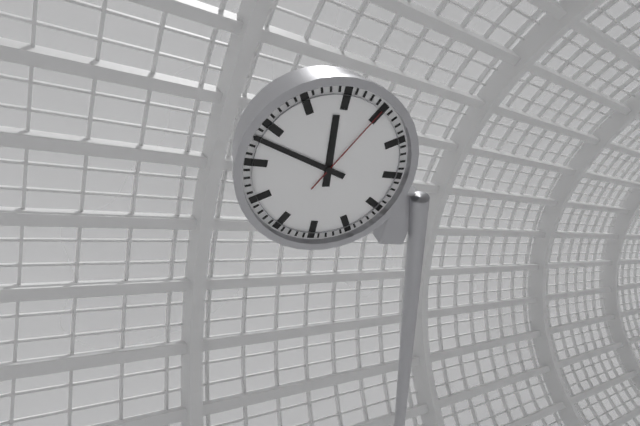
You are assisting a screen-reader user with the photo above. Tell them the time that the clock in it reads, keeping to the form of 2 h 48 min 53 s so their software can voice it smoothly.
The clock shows 11 h 48 min 05 s
